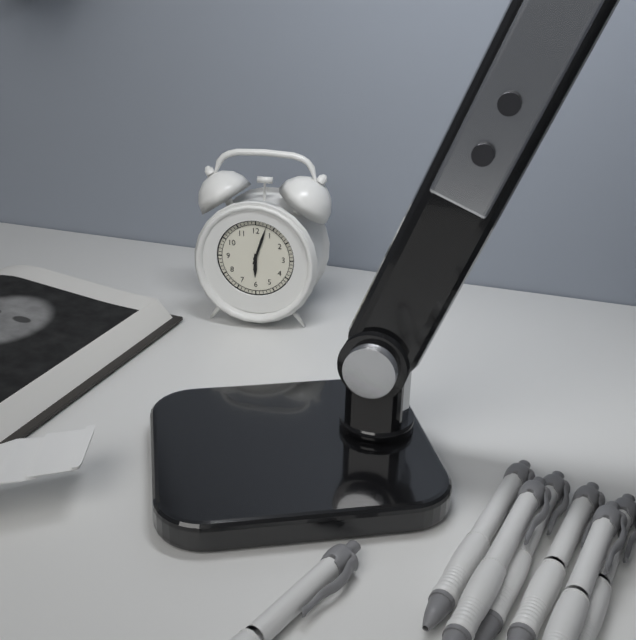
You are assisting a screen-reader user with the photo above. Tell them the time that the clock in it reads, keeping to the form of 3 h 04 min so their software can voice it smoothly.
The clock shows 6 h 03 min
